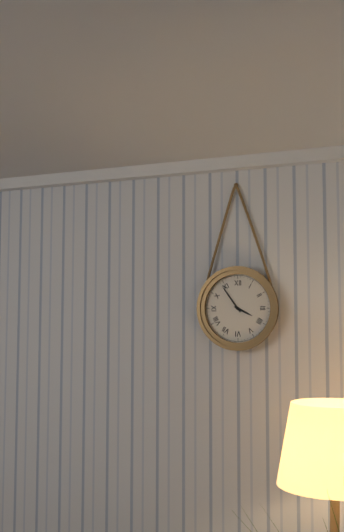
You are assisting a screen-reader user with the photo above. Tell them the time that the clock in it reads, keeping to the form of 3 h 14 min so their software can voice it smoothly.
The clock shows 3 h 54 min
